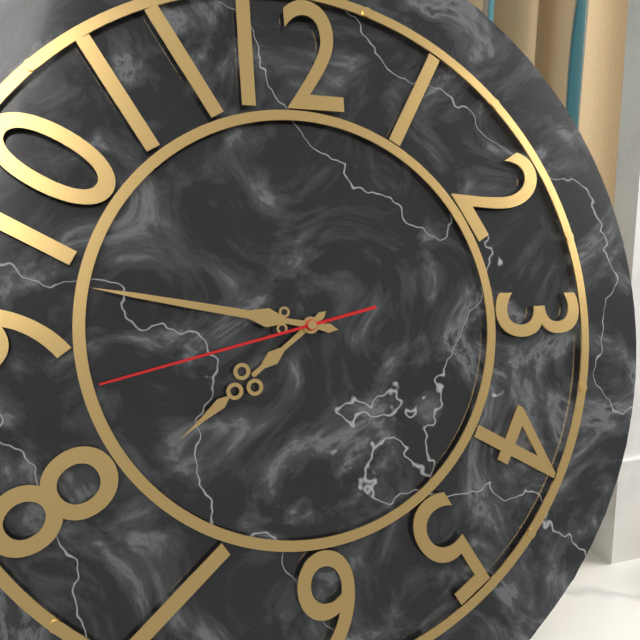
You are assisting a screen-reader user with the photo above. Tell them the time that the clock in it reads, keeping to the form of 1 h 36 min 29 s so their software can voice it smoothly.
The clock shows 7 h 47 min 43 s
